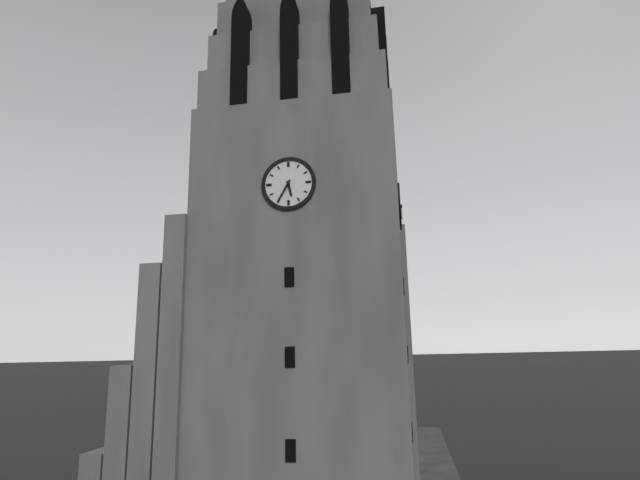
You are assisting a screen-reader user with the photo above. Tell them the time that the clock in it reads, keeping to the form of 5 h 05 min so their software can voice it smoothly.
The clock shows 5 h 35 min
